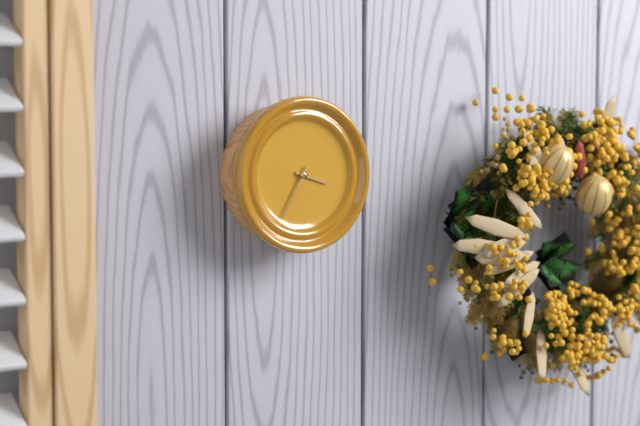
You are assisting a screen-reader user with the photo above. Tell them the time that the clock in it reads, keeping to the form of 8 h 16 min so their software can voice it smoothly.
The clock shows 3 h 35 min
